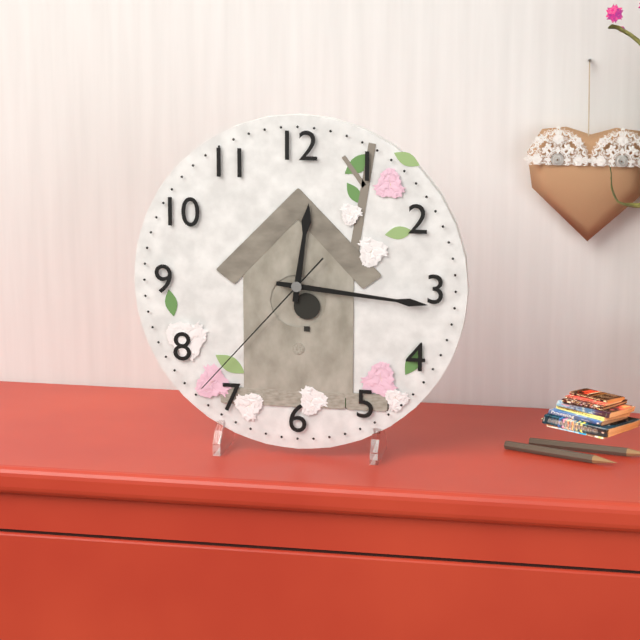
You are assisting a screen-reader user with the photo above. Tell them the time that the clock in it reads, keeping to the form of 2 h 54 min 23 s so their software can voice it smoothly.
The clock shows 12 h 16 min 37 s
